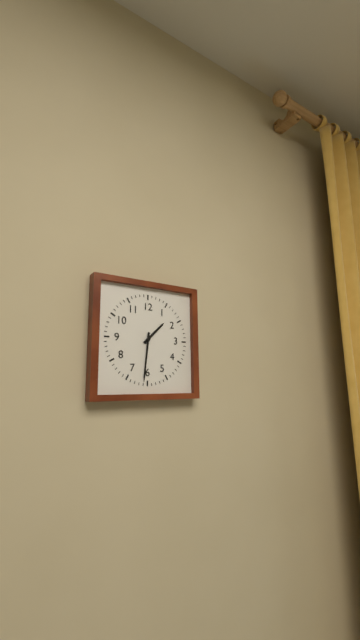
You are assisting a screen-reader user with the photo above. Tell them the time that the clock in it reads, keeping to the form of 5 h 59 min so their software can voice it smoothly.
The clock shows 1 h 31 min
